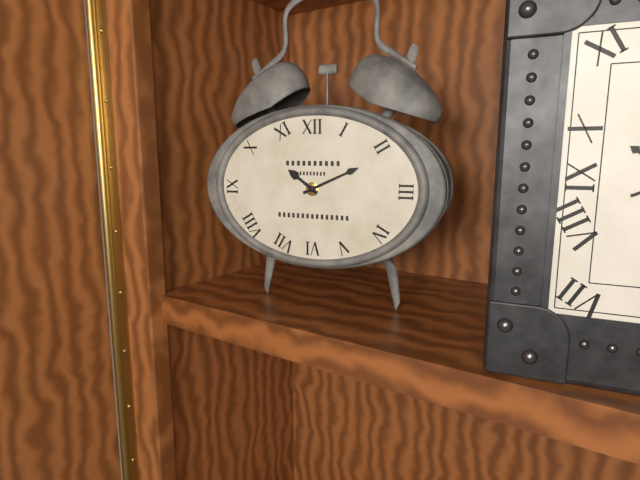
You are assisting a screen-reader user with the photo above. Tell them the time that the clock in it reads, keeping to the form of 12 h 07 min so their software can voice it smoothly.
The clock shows 10 h 11 min
